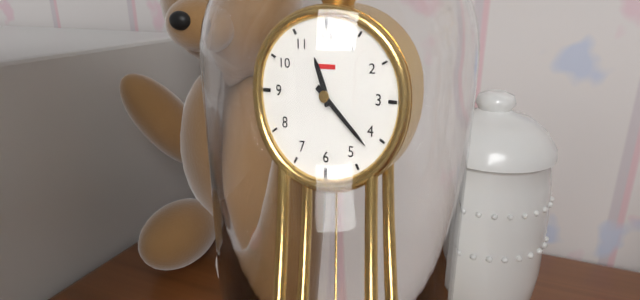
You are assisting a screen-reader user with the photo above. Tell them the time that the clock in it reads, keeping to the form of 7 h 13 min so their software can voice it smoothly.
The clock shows 11 h 22 min
